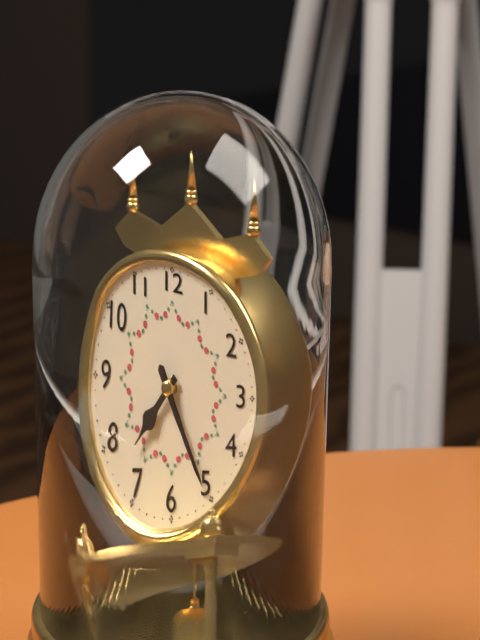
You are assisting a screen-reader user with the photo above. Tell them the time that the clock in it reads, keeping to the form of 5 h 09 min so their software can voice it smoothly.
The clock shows 7 h 25 min
